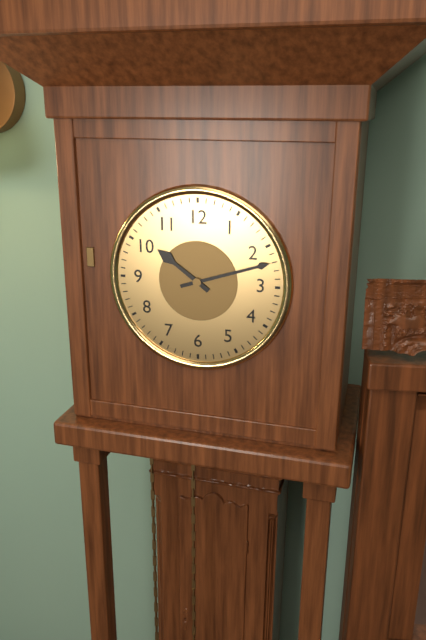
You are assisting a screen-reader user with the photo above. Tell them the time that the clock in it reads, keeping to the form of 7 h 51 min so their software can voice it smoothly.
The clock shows 10 h 12 min
